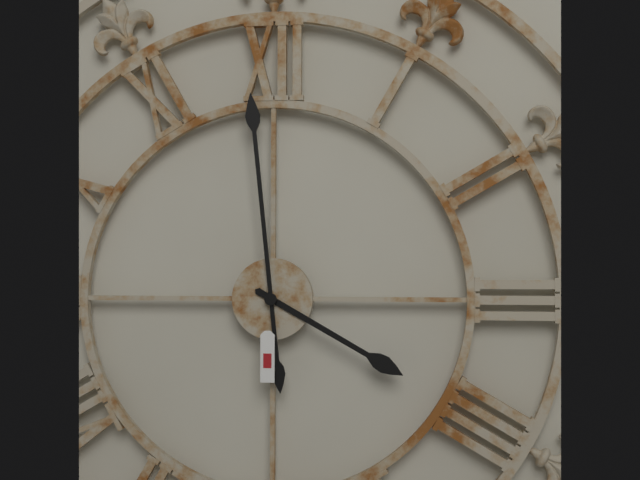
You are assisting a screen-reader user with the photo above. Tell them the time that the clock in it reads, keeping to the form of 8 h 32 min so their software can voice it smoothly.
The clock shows 3 h 59 min
